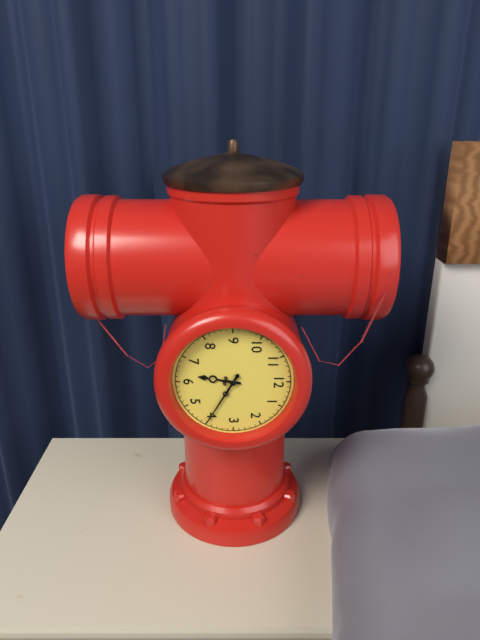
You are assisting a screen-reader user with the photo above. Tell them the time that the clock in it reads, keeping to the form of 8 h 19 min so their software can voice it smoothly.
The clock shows 6 h 20 min
